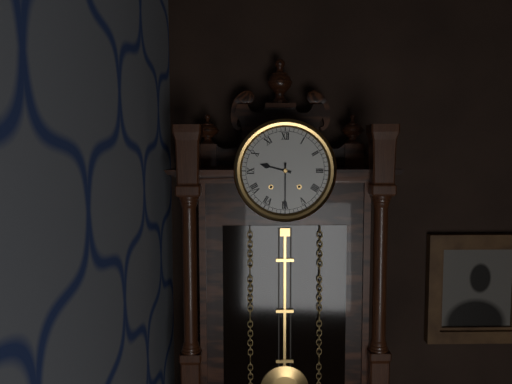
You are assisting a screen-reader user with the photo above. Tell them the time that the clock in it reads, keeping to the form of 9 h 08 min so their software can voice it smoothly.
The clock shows 9 h 30 min
